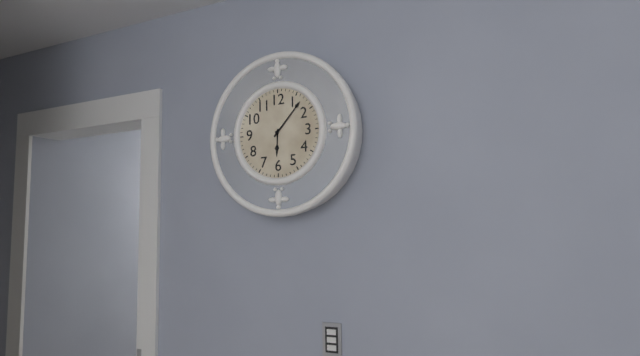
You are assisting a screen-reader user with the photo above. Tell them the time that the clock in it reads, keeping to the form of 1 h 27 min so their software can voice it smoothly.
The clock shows 6 h 07 min
